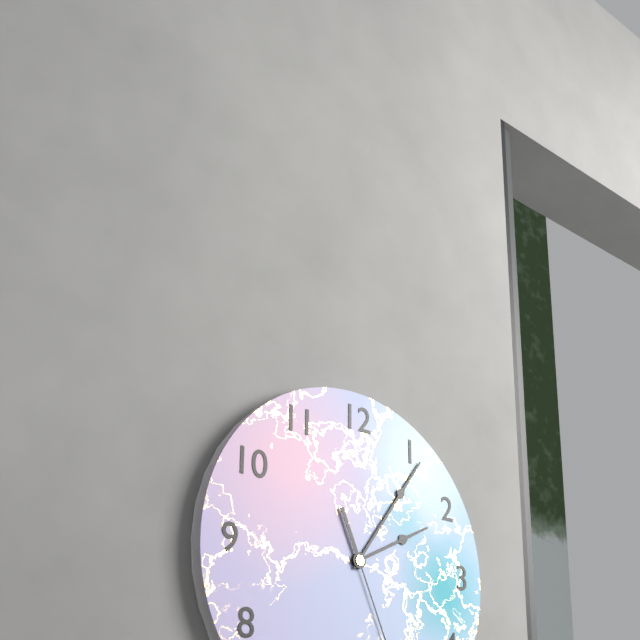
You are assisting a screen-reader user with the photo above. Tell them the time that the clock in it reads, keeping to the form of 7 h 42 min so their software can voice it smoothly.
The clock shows 2 h 06 min
